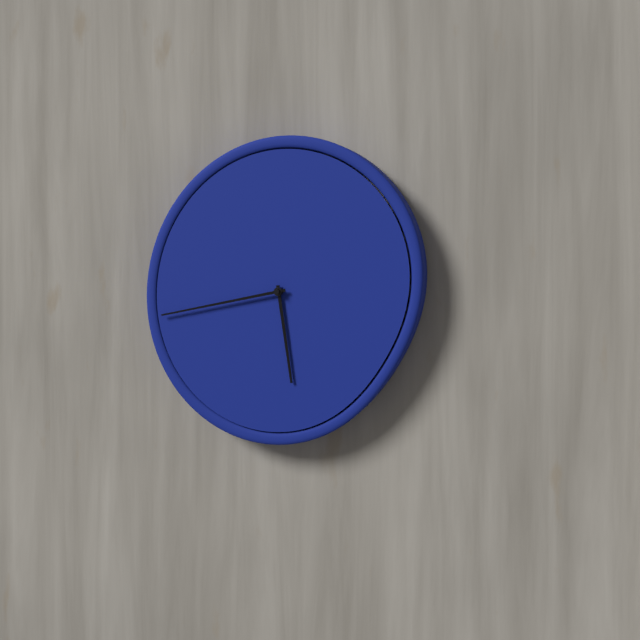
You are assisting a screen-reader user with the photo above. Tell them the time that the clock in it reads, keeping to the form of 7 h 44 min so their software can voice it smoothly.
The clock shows 5 h 43 min
